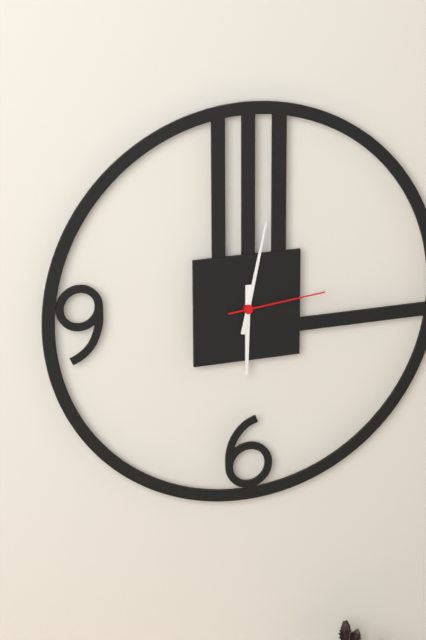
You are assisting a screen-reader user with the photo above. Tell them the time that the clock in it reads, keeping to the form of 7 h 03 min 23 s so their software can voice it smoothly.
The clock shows 6 h 02 min 14 s
